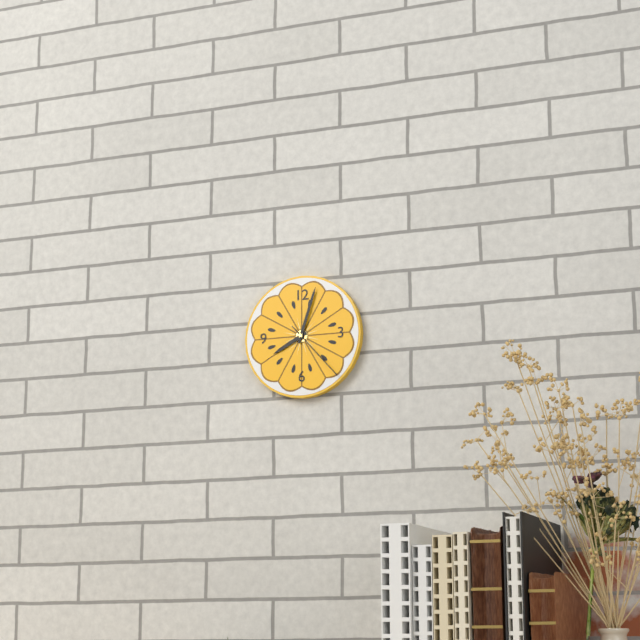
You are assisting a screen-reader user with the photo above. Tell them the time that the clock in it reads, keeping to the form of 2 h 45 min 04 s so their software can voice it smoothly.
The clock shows 8 h 03 min 23 s
